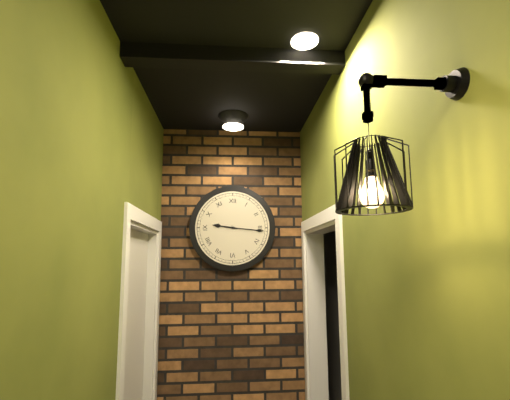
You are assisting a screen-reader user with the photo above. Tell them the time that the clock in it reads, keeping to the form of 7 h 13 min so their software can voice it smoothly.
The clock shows 9 h 16 min
